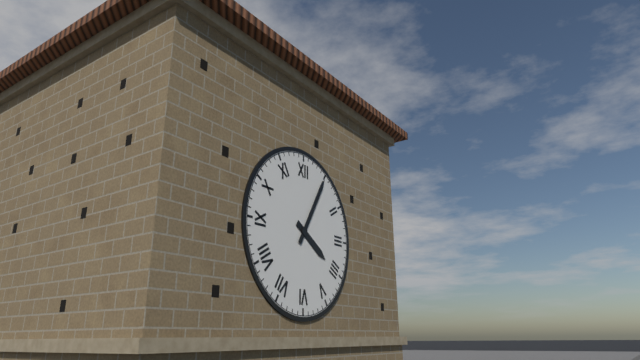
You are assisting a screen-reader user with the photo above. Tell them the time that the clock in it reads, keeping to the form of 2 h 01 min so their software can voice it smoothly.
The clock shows 4 h 05 min
